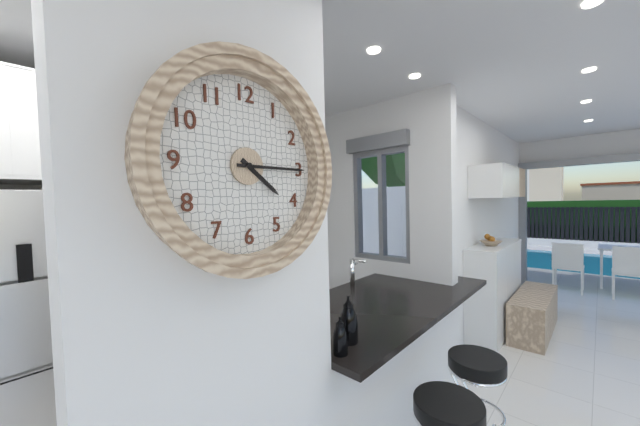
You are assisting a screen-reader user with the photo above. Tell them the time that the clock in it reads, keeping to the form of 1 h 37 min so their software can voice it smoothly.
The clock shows 4 h 15 min
